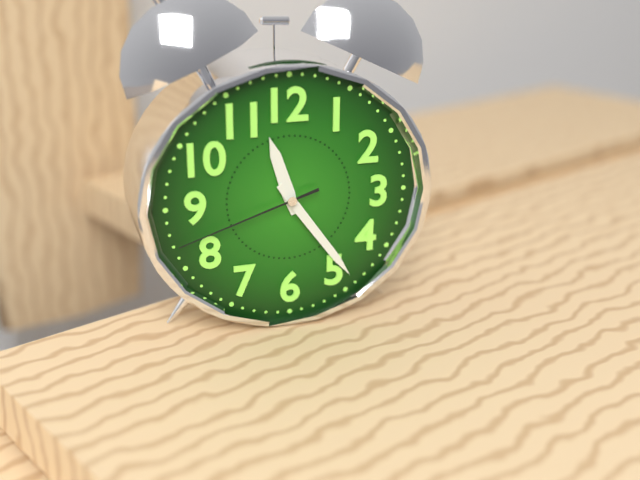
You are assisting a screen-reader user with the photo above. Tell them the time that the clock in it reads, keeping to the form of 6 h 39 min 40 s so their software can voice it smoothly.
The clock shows 11 h 24 min 42 s
